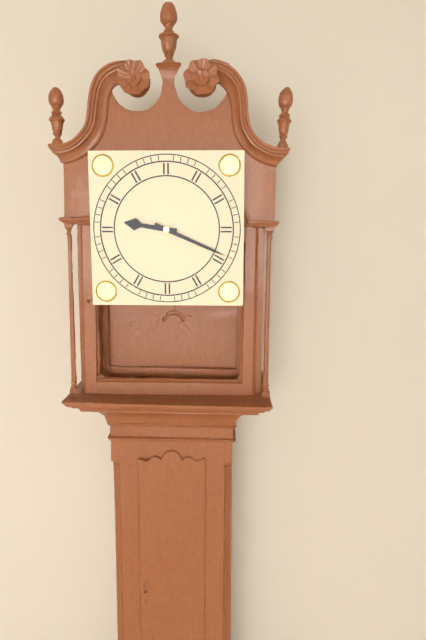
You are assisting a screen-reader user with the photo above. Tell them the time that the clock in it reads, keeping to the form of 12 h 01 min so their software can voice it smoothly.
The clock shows 9 h 19 min
